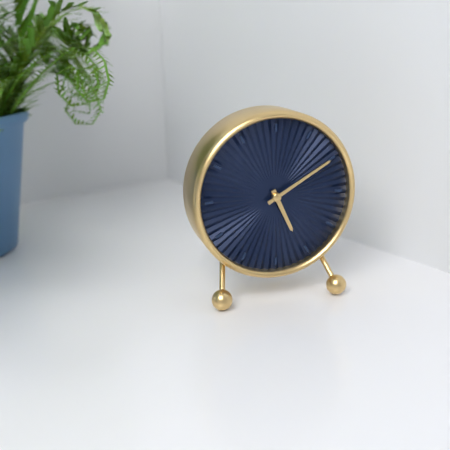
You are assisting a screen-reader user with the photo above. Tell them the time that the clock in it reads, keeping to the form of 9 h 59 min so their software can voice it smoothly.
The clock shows 5 h 10 min
